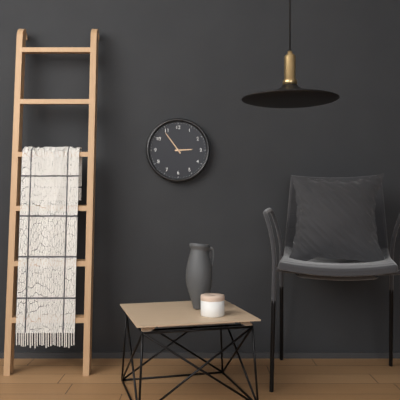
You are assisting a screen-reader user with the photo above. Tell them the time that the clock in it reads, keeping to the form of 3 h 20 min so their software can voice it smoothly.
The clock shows 2 h 54 min
